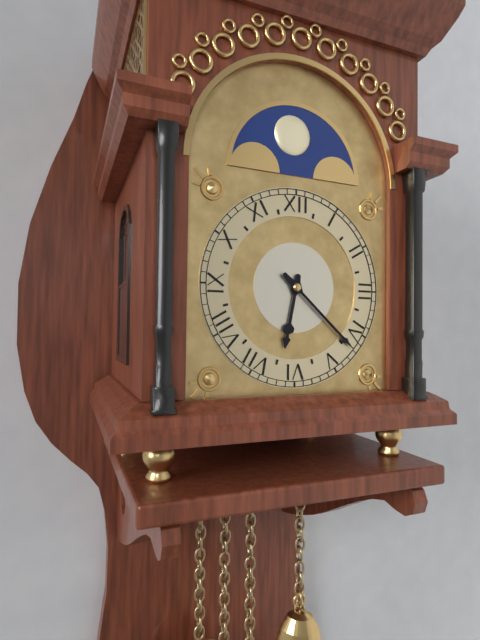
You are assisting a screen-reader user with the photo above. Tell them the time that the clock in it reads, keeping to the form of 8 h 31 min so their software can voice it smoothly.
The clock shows 6 h 22 min
